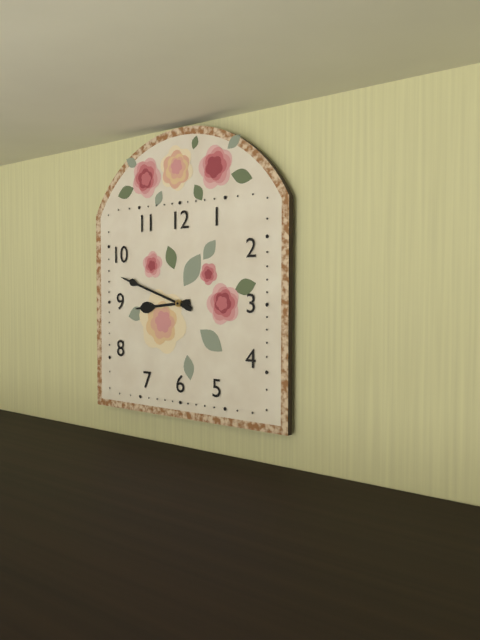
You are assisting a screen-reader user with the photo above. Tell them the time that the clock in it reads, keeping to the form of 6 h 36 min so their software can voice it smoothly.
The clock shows 8 h 48 min
